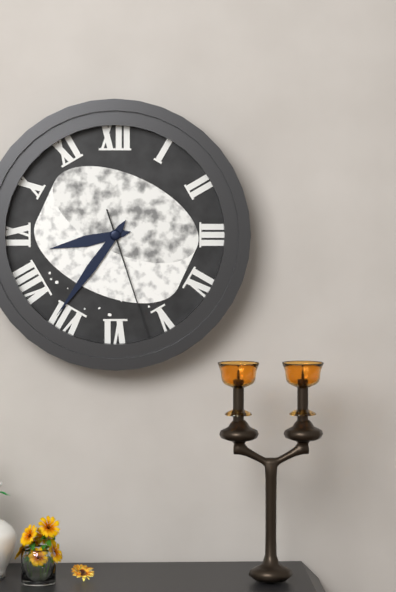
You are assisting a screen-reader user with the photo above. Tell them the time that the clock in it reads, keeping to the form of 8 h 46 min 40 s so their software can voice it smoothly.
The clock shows 8 h 36 min 27 s
